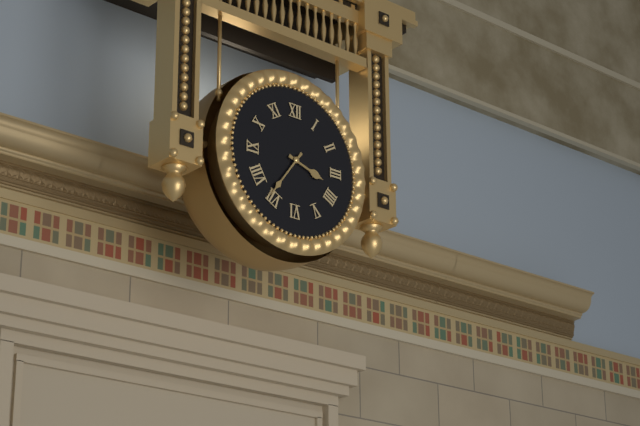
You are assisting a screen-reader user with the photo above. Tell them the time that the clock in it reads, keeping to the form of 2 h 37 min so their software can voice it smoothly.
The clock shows 3 h 36 min
